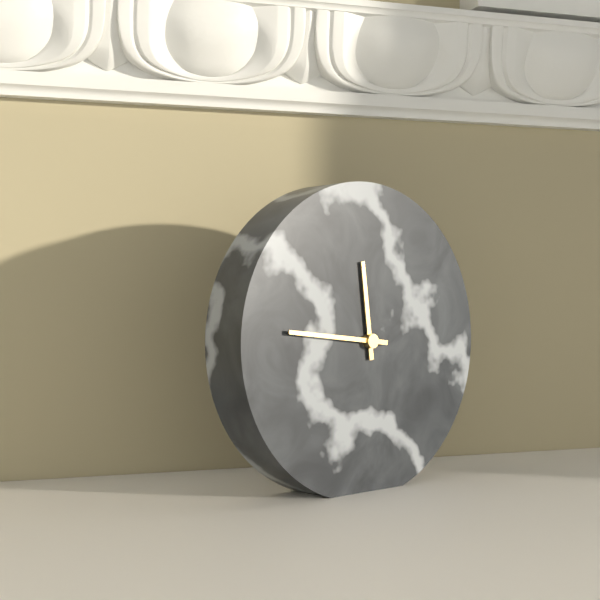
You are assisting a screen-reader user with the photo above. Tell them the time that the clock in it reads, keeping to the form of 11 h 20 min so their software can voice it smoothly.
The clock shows 11 h 46 min
